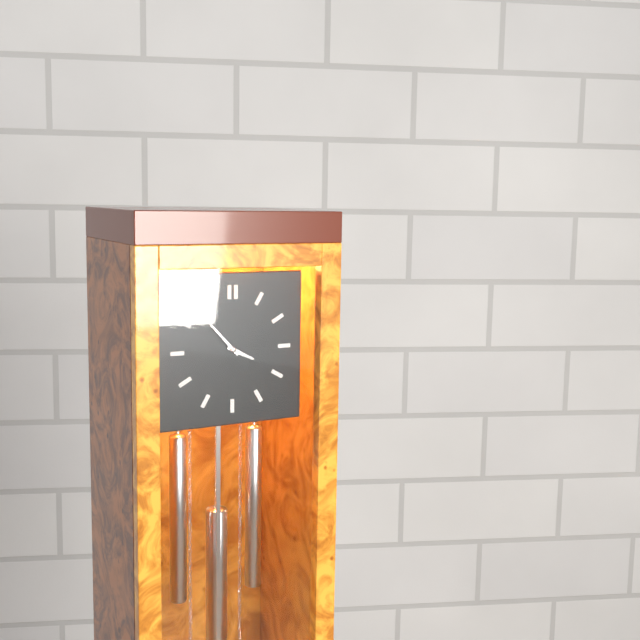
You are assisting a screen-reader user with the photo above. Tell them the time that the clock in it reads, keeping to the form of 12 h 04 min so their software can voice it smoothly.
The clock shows 3 h 53 min
